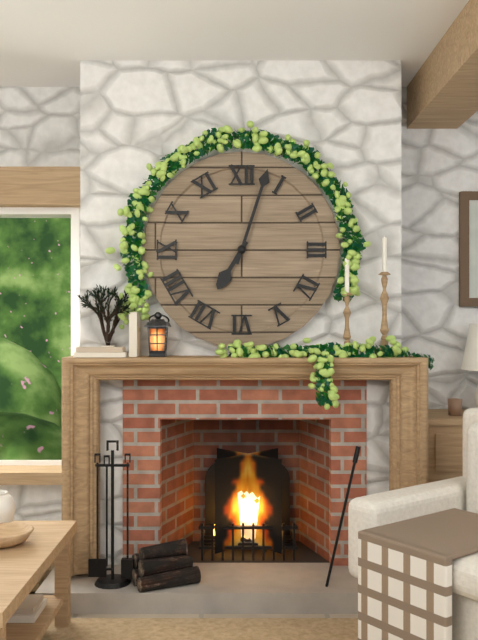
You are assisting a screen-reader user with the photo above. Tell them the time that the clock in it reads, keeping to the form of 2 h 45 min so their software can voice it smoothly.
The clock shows 7 h 03 min
